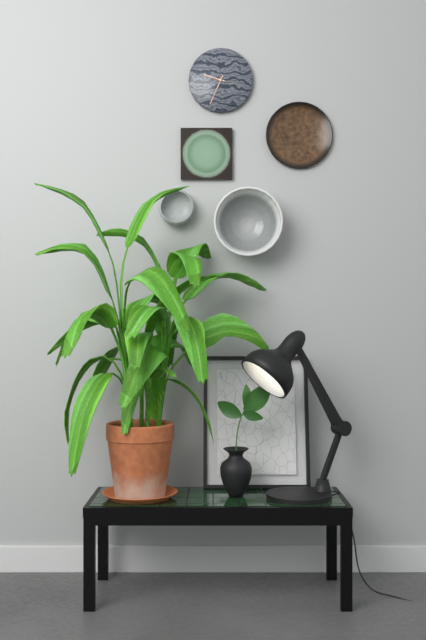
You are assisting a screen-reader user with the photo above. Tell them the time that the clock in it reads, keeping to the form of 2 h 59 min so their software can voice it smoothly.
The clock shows 9 h 34 min
